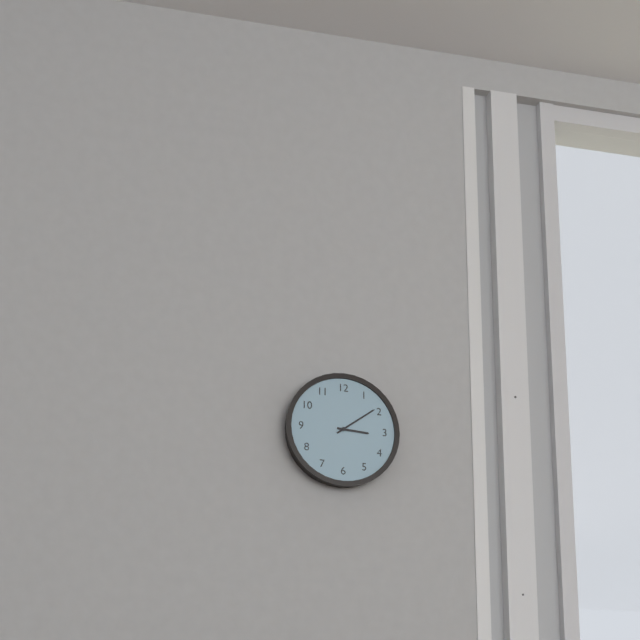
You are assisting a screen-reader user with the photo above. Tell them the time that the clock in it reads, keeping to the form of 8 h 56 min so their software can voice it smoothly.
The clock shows 3 h 09 min
